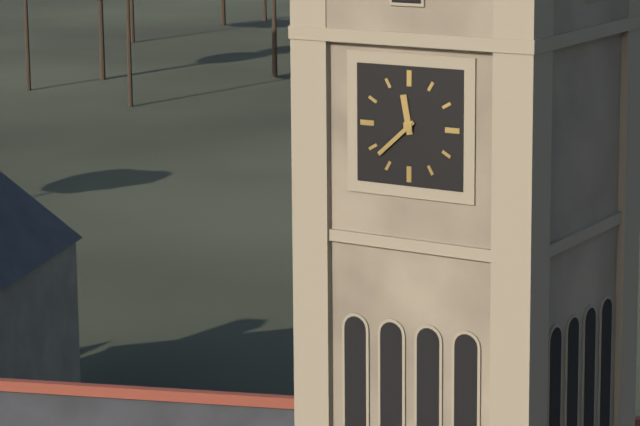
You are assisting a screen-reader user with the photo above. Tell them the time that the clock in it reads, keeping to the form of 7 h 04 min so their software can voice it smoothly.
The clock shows 11 h 38 min
